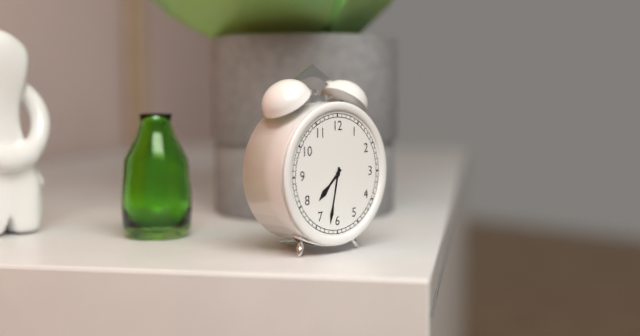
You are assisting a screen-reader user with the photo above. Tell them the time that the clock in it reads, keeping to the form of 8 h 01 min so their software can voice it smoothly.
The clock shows 7 h 32 min
